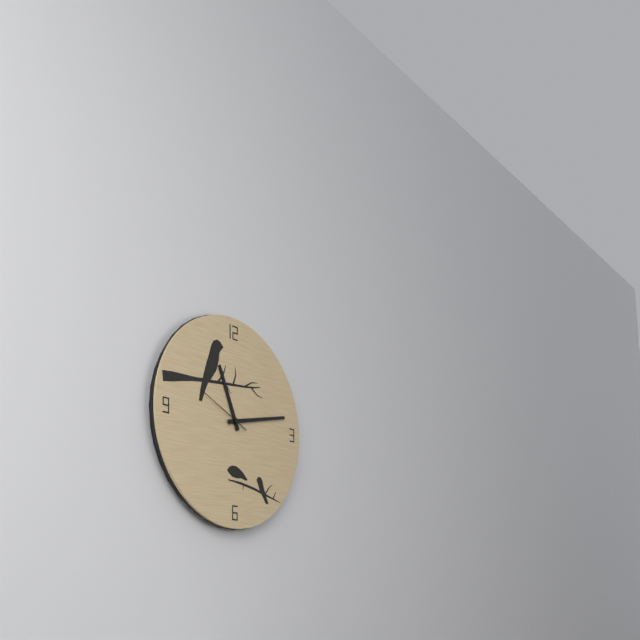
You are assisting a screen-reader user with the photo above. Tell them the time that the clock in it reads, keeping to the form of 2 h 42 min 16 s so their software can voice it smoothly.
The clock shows 11 h 13 min 49 s
